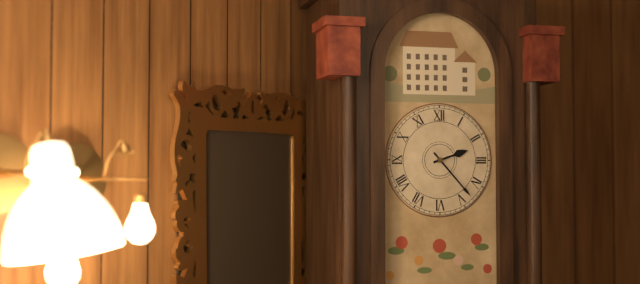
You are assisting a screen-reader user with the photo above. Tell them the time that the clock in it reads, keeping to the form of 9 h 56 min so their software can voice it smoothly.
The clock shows 2 h 23 min
